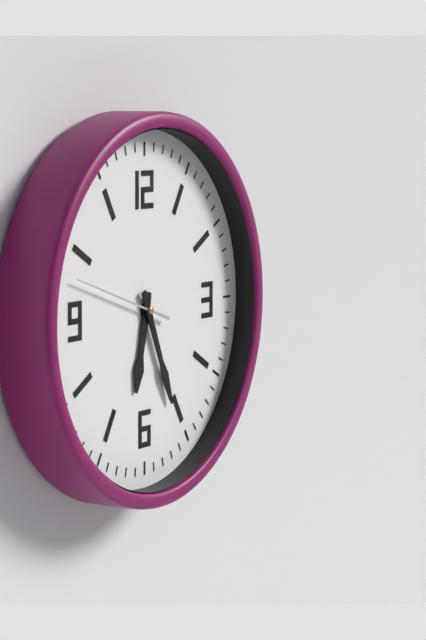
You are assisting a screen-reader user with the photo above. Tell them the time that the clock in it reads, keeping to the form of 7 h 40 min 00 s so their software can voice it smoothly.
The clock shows 6 h 26 min 48 s
